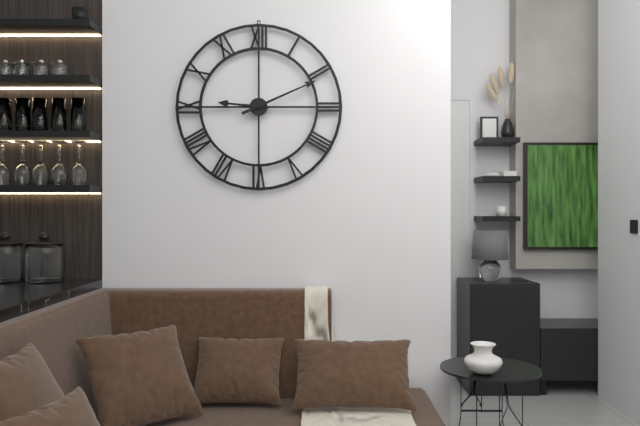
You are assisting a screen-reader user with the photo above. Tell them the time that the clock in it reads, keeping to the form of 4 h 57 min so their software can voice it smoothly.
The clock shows 9 h 11 min
